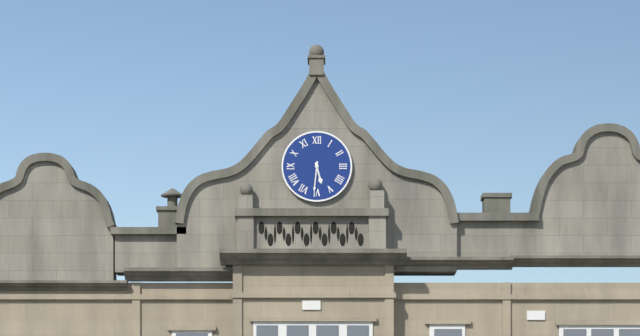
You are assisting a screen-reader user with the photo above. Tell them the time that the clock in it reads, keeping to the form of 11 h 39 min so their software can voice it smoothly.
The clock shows 5 h 31 min
